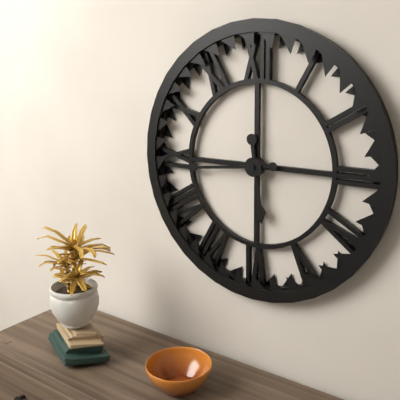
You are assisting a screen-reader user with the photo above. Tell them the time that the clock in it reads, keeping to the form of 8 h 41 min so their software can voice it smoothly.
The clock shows 5 h 44 min
